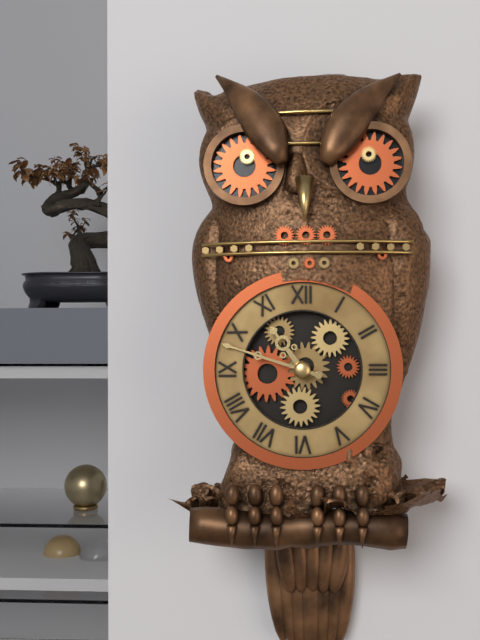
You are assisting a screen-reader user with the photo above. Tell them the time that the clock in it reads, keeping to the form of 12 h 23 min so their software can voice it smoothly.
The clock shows 10 h 48 min
